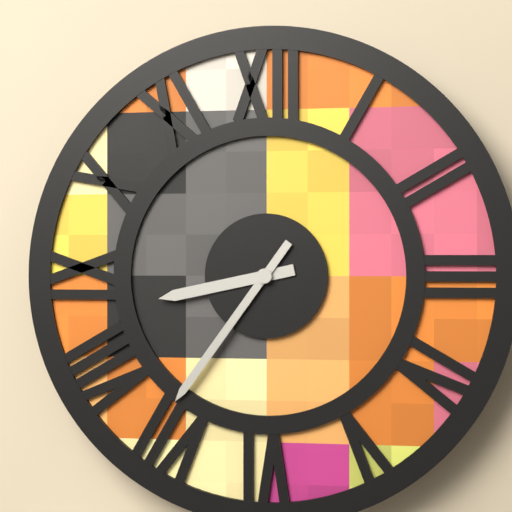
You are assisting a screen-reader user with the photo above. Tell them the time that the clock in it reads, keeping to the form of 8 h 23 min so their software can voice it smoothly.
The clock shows 8 h 36 min
